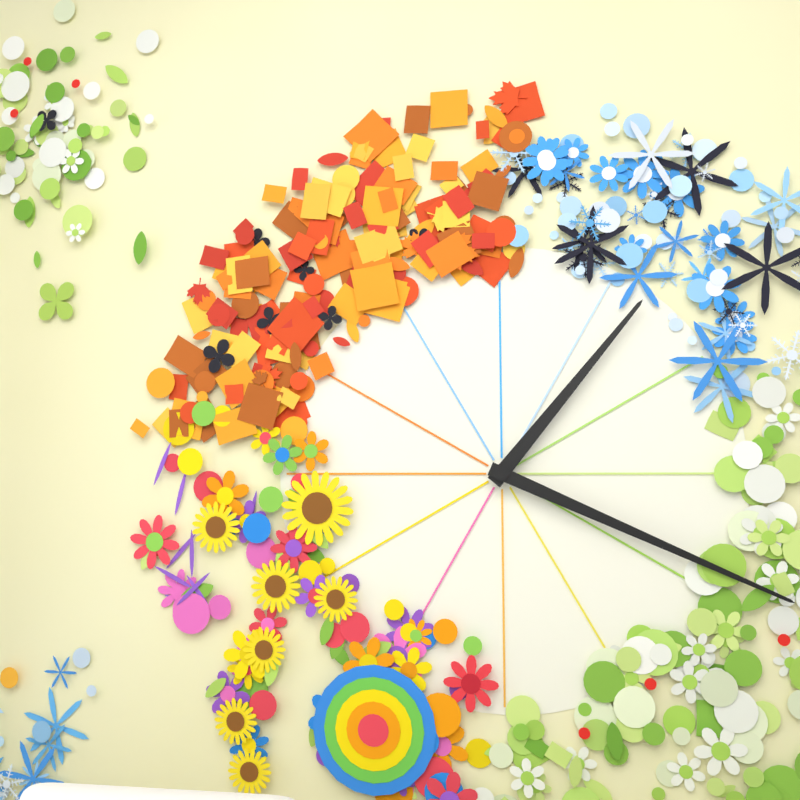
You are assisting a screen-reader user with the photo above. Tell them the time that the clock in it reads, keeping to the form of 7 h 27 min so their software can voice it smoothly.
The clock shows 1 h 19 min
